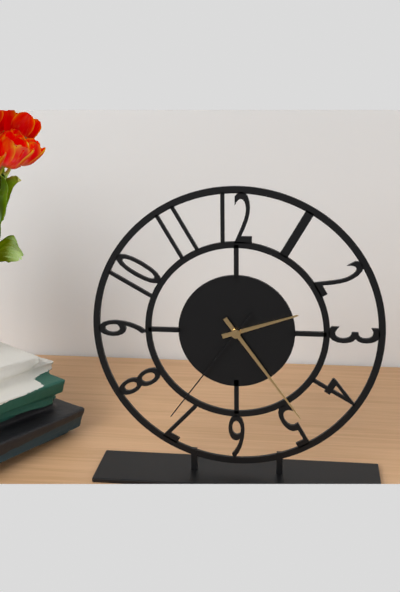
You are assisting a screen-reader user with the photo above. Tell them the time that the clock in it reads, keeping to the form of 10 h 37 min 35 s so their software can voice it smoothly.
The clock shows 2 h 24 min 36 s
